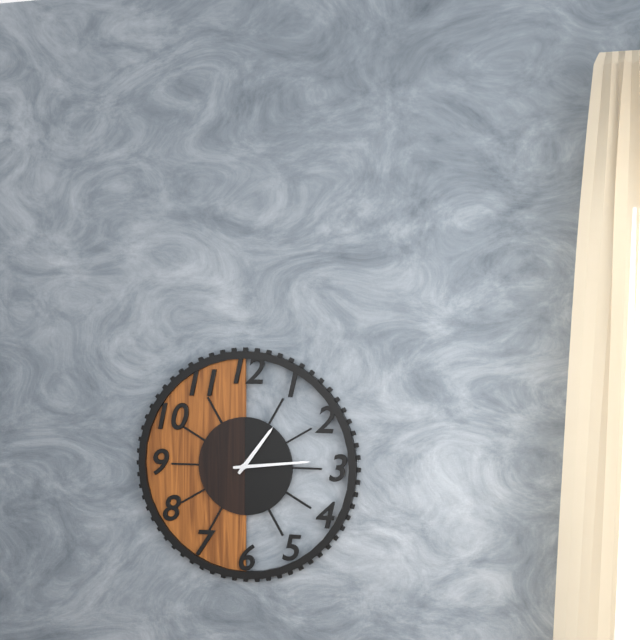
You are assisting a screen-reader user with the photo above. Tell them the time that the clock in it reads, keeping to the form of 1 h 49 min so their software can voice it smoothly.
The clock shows 1 h 14 min
